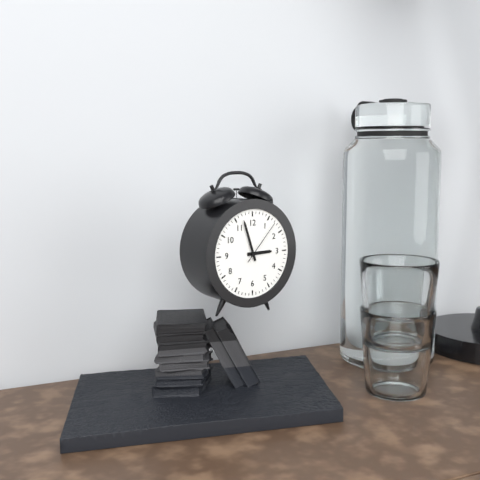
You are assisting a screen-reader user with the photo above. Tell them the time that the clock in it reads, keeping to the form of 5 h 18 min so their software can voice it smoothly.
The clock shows 2 h 57 min
